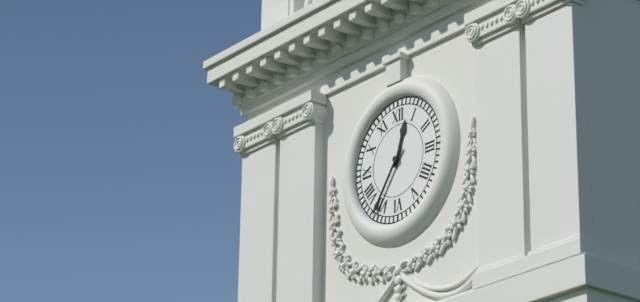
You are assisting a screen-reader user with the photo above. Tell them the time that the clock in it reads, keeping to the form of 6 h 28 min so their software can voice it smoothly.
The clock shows 12 h 36 min
